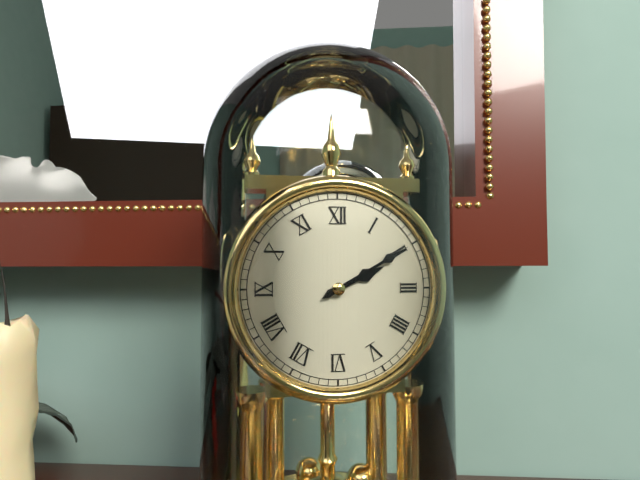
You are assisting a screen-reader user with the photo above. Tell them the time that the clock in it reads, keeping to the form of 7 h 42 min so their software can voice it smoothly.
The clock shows 2 h 10 min
